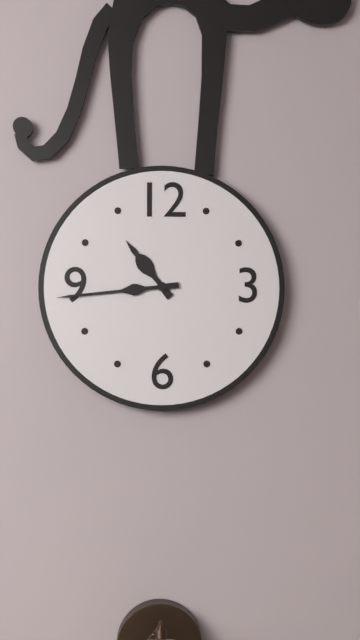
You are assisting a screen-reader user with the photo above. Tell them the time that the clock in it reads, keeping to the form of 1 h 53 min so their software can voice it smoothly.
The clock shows 10 h 44 min
